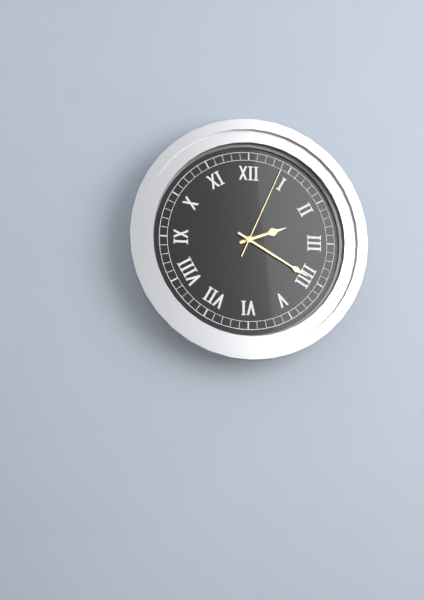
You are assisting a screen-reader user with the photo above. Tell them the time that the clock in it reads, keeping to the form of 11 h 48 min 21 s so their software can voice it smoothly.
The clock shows 2 h 20 min 04 s
